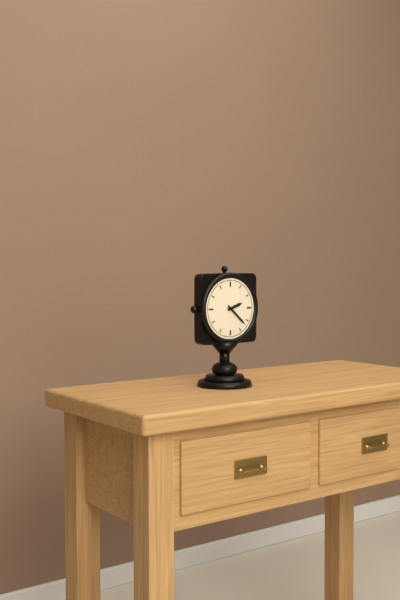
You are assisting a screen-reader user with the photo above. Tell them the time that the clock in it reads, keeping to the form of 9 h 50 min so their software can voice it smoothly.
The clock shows 2 h 22 min
